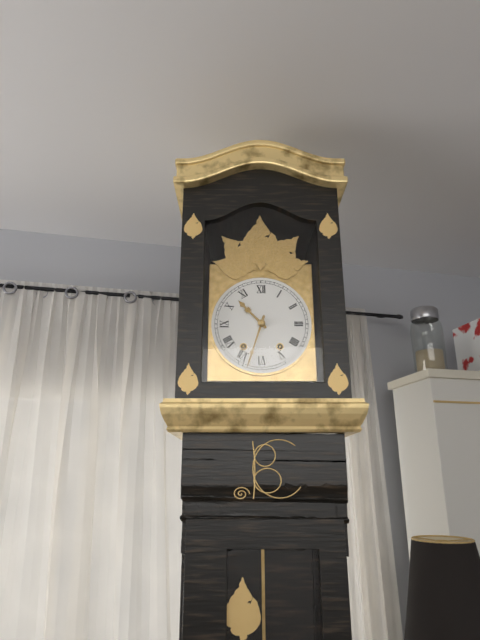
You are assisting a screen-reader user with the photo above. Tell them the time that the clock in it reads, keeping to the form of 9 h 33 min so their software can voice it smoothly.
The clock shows 10 h 33 min
